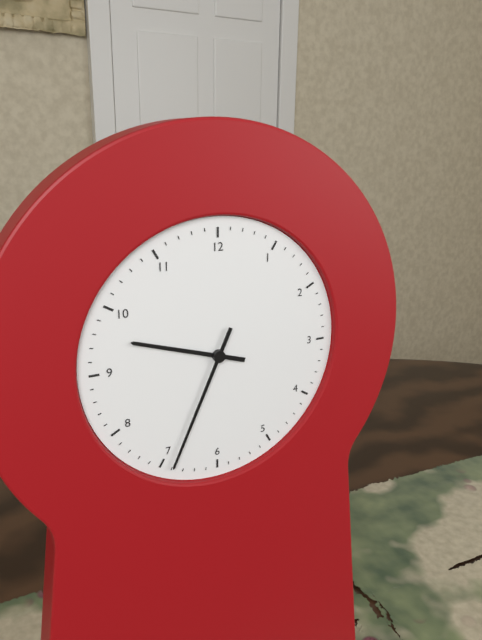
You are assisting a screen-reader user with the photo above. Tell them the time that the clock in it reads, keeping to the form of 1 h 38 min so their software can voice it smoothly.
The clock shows 9 h 34 min
